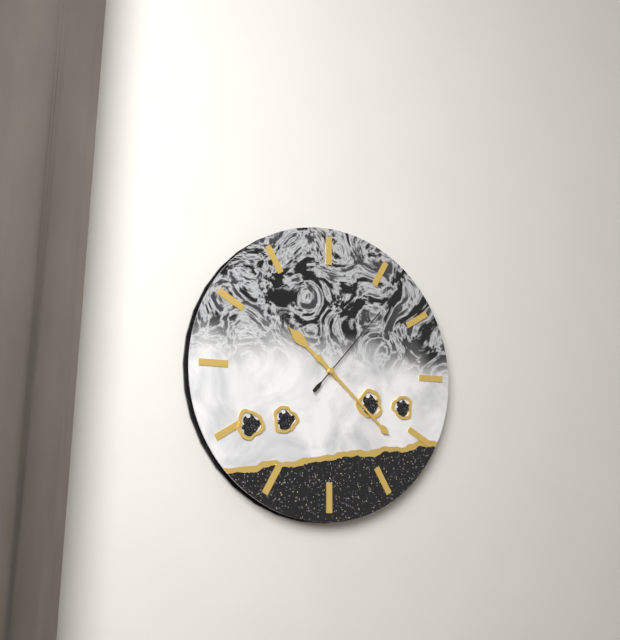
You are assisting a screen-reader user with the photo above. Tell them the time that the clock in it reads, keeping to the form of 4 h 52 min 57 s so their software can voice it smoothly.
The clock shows 10 h 22 min 07 s
